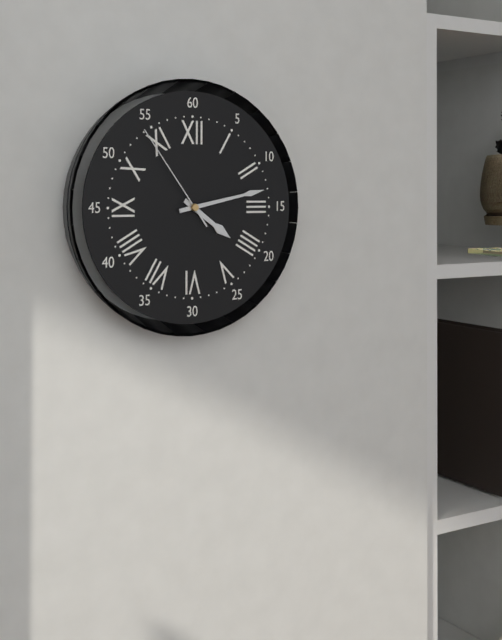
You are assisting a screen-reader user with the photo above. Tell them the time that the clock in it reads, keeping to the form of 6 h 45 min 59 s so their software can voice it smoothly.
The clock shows 4 h 13 min 54 s
